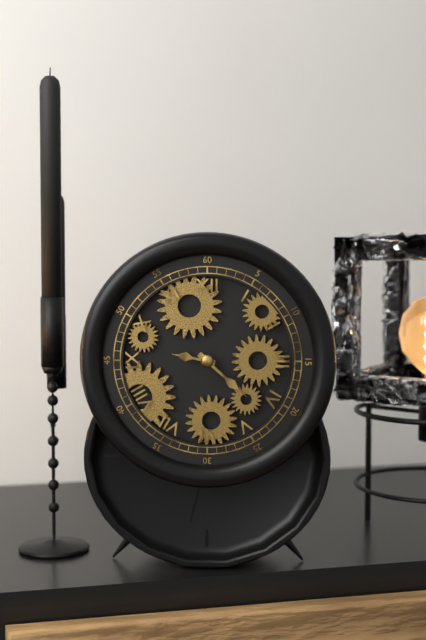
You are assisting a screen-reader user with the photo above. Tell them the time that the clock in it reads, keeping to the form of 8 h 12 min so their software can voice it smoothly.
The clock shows 9 h 22 min
